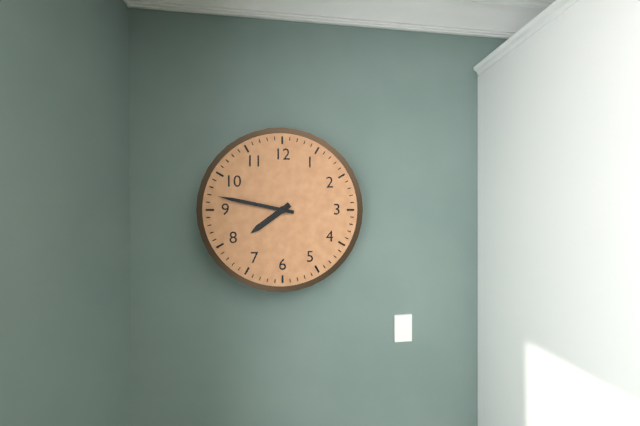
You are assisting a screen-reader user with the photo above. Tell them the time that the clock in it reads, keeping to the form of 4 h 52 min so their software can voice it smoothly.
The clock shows 7 h 47 min
